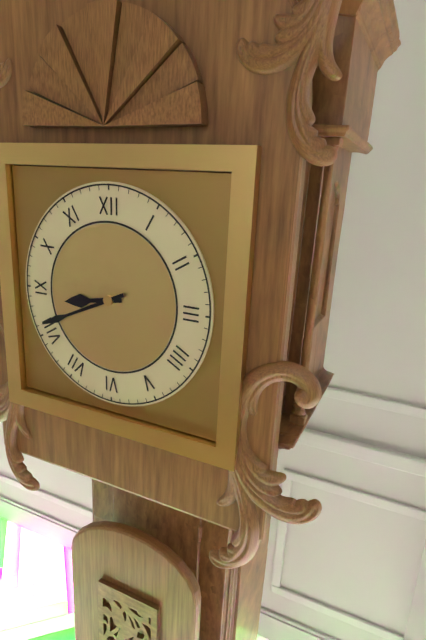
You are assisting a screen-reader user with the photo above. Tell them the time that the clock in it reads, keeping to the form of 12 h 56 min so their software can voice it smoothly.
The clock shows 8 h 41 min
